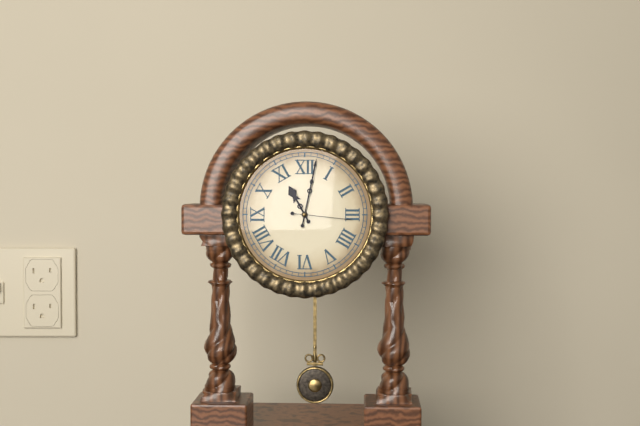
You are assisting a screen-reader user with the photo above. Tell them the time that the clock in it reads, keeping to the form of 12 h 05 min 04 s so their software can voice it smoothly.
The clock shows 11 h 02 min 16 s
